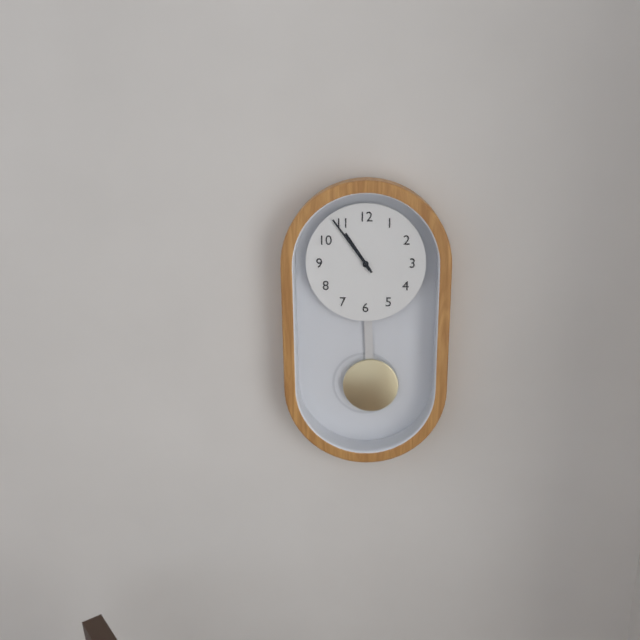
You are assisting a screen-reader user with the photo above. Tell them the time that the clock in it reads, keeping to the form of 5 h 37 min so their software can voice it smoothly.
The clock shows 10 h 54 min
